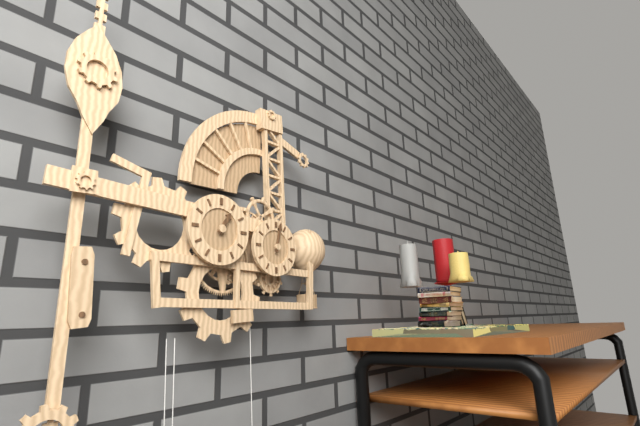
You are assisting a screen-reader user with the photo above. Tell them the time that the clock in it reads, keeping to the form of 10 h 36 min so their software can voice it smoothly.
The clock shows 1 h 02 min
